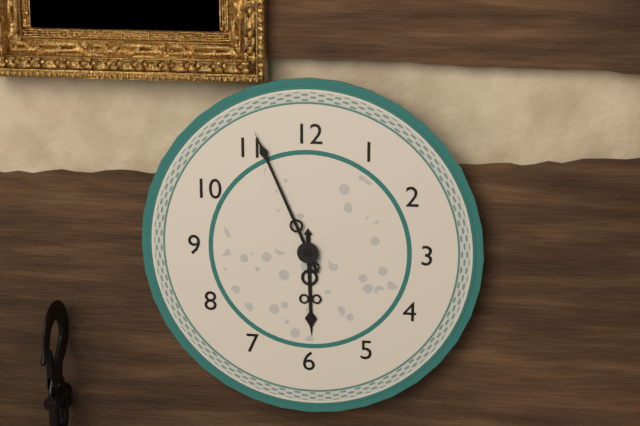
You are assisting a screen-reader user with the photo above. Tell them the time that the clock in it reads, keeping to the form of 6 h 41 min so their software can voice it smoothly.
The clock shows 5 h 56 min
